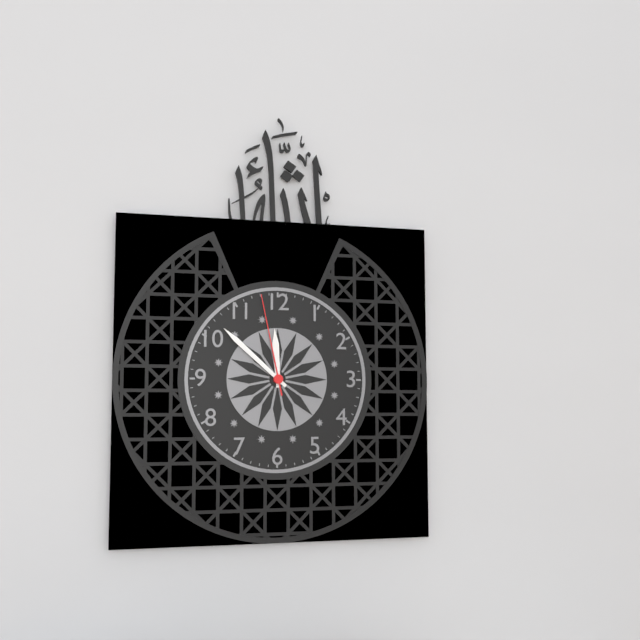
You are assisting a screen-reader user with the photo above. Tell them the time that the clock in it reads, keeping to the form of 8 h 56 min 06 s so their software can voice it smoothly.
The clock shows 11 h 52 min 58 s
